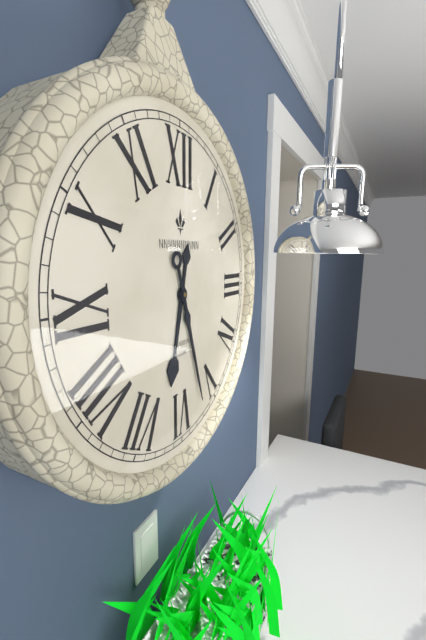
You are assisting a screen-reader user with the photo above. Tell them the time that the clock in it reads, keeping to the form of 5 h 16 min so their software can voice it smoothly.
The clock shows 6 h 27 min
